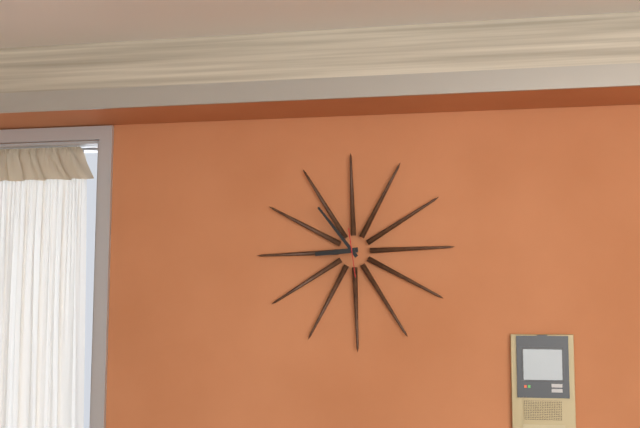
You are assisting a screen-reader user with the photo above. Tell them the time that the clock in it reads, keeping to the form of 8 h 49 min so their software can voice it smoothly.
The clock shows 8 h 54 min
